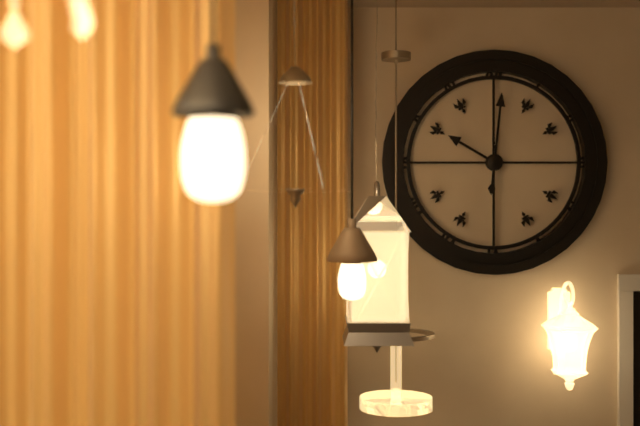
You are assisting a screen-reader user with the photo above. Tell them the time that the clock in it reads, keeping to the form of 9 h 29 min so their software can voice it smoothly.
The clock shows 10 h 01 min
